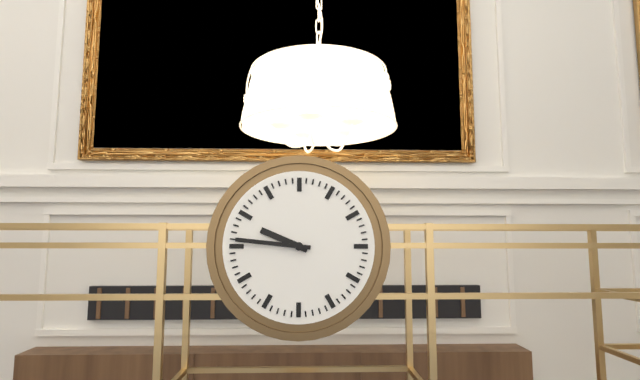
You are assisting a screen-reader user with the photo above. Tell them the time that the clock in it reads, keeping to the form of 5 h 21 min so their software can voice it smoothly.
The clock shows 9 h 46 min
